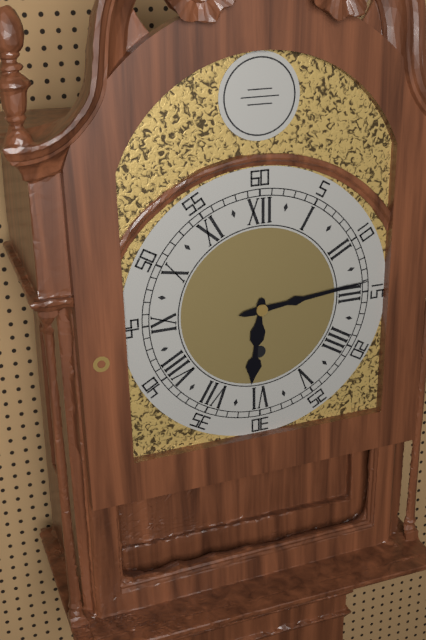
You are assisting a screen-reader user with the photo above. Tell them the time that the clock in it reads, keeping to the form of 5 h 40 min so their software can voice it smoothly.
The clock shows 6 h 14 min
